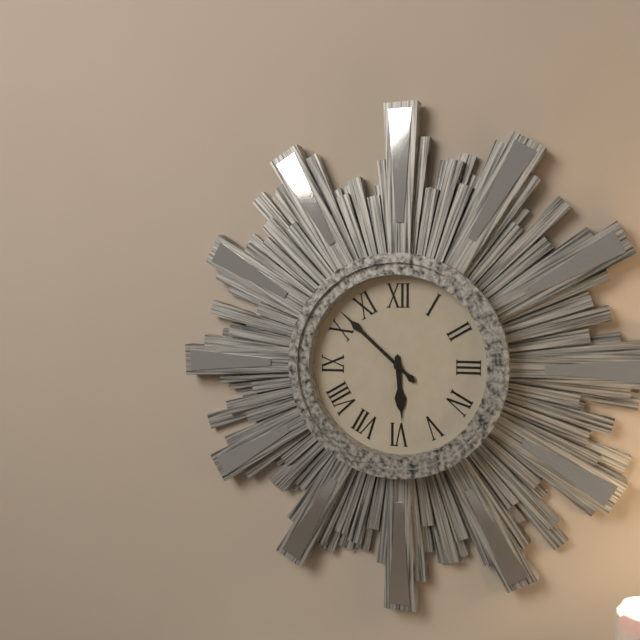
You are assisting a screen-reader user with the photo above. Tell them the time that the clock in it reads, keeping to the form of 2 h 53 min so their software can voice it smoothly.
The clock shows 5 h 52 min
